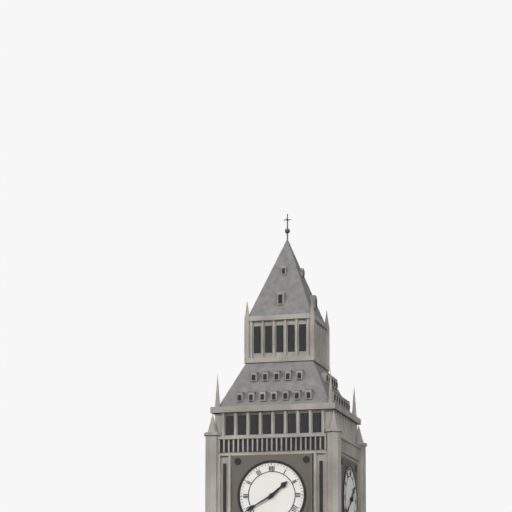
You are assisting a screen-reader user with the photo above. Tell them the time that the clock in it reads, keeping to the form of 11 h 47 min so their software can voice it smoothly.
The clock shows 1 h 40 min
